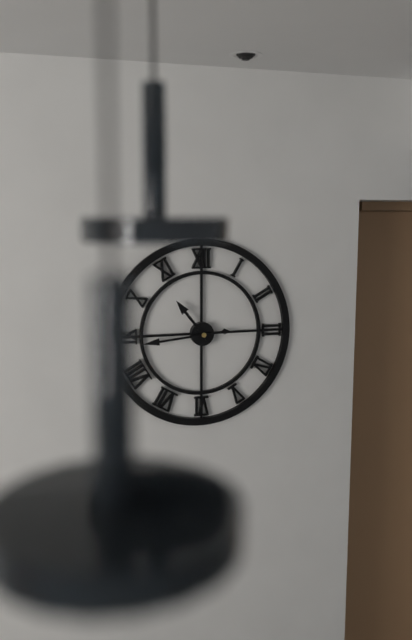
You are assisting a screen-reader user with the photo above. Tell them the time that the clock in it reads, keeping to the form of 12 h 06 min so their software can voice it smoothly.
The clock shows 10 h 44 min
